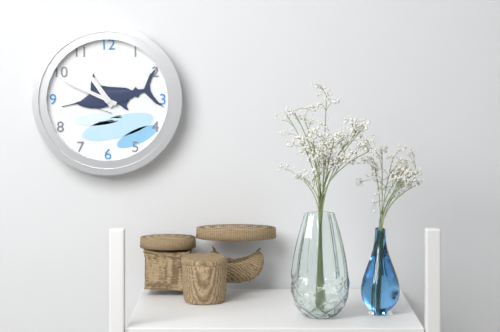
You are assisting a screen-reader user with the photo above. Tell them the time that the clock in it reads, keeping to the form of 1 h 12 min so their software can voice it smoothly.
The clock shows 10 h 49 min
